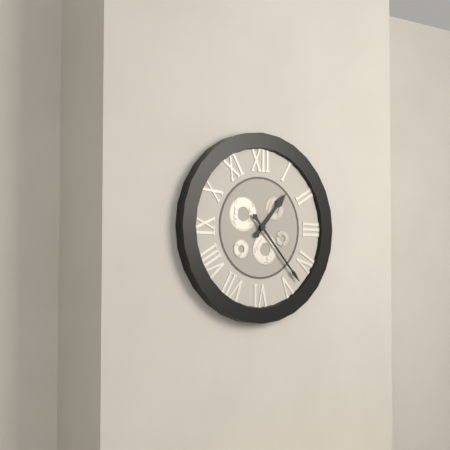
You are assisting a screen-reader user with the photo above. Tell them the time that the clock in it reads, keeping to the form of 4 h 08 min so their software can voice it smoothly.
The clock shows 1 h 23 min
